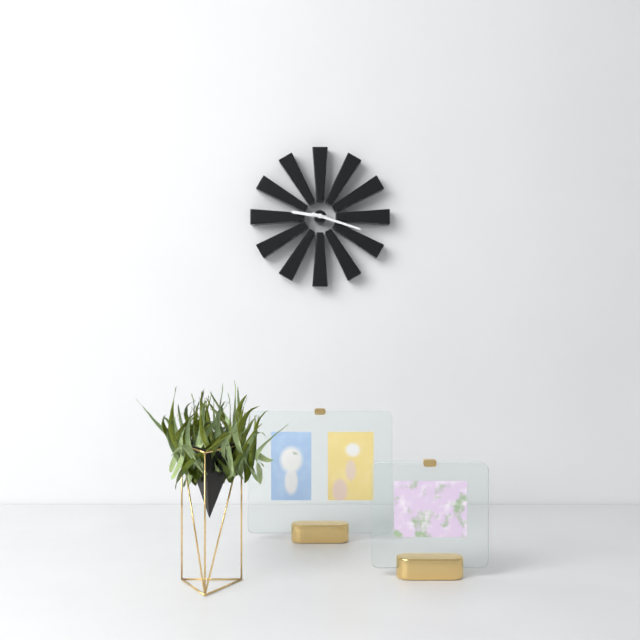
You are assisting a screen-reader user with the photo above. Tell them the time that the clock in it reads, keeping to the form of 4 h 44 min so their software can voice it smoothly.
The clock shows 9 h 18 min
